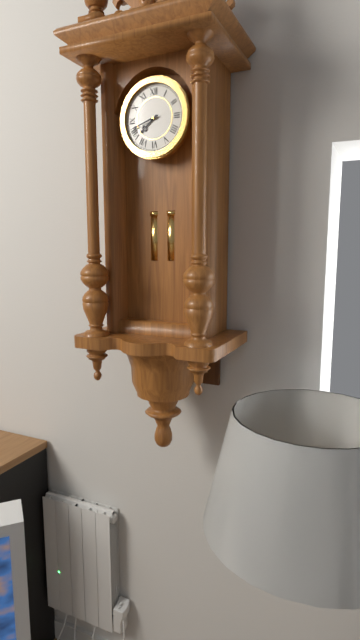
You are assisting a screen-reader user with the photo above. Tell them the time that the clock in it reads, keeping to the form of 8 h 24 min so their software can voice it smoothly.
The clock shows 7 h 42 min
